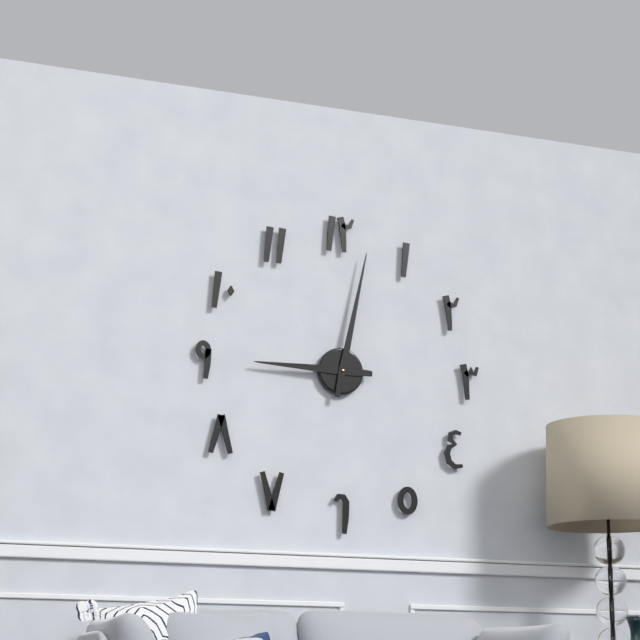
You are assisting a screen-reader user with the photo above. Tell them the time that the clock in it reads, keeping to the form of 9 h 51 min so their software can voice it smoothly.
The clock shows 9 h 02 min
